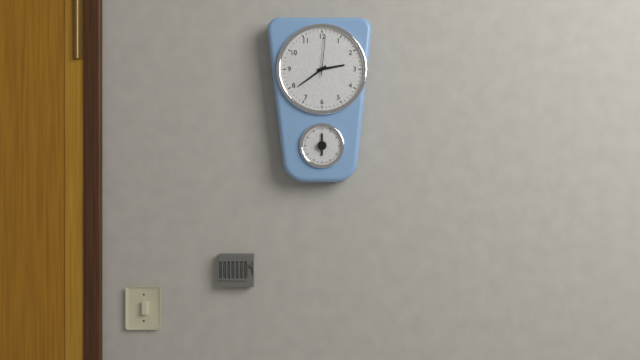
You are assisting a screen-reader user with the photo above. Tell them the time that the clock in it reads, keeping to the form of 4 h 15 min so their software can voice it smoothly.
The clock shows 2 h 39 min
